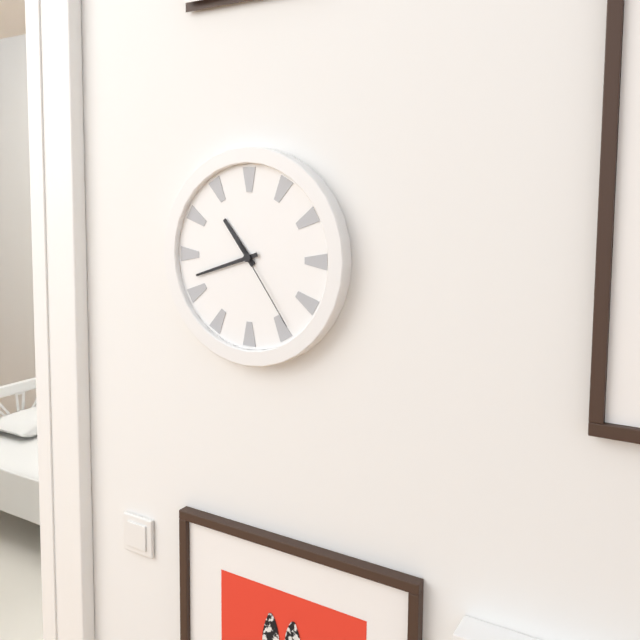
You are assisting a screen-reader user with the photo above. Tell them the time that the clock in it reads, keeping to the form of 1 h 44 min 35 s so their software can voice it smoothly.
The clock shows 10 h 42 min 24 s
